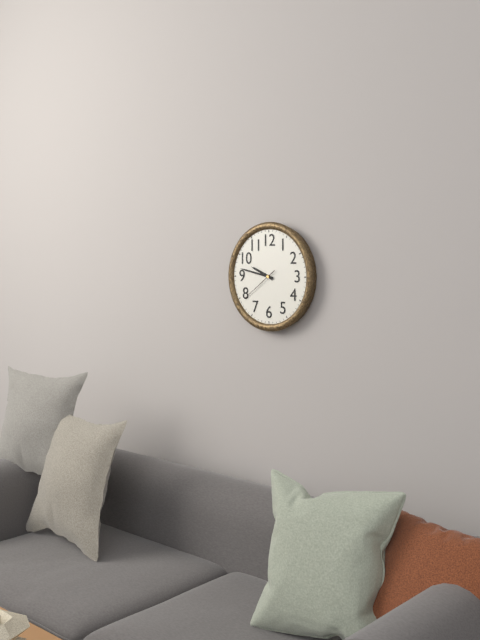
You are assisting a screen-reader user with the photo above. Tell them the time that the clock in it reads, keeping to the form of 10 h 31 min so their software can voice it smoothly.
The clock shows 9 h 47 min
